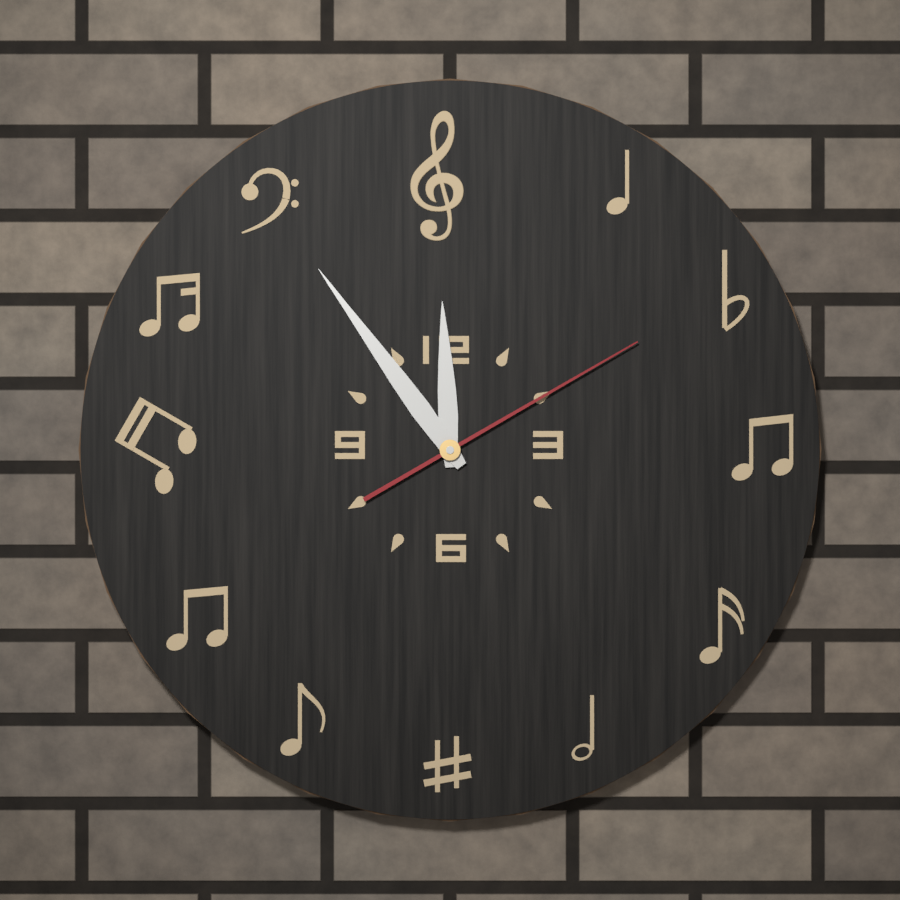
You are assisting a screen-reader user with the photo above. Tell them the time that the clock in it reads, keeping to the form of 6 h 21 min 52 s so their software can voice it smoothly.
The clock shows 11 h 54 min 10 s
